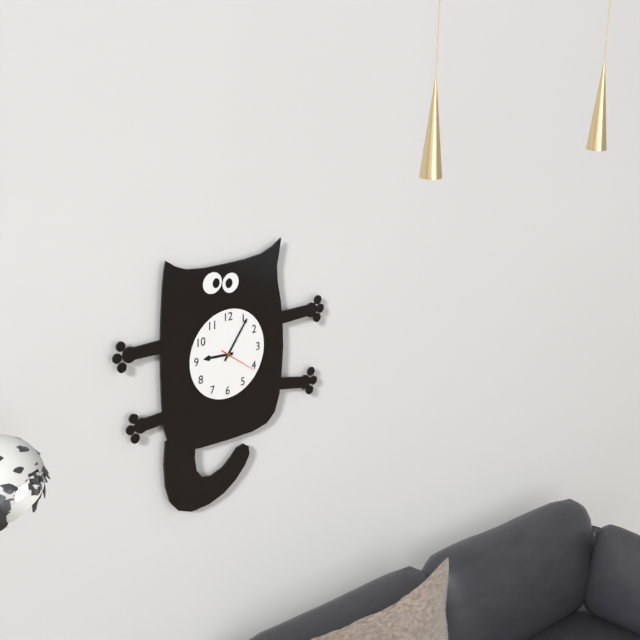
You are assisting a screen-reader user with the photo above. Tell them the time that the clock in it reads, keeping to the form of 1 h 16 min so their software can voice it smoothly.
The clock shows 9 h 06 min
